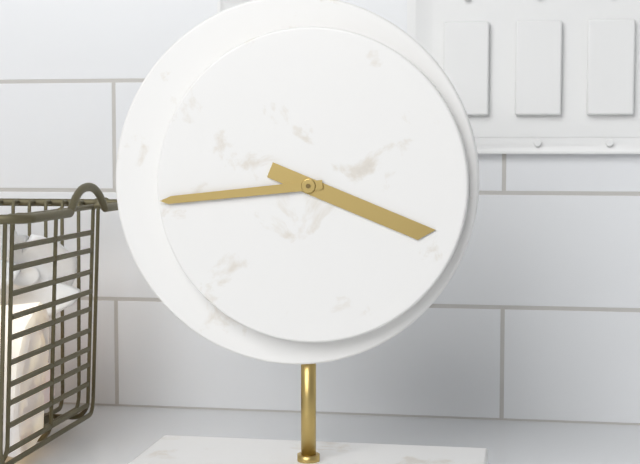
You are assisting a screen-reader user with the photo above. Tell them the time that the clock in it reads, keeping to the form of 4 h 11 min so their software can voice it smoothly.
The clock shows 3 h 44 min
